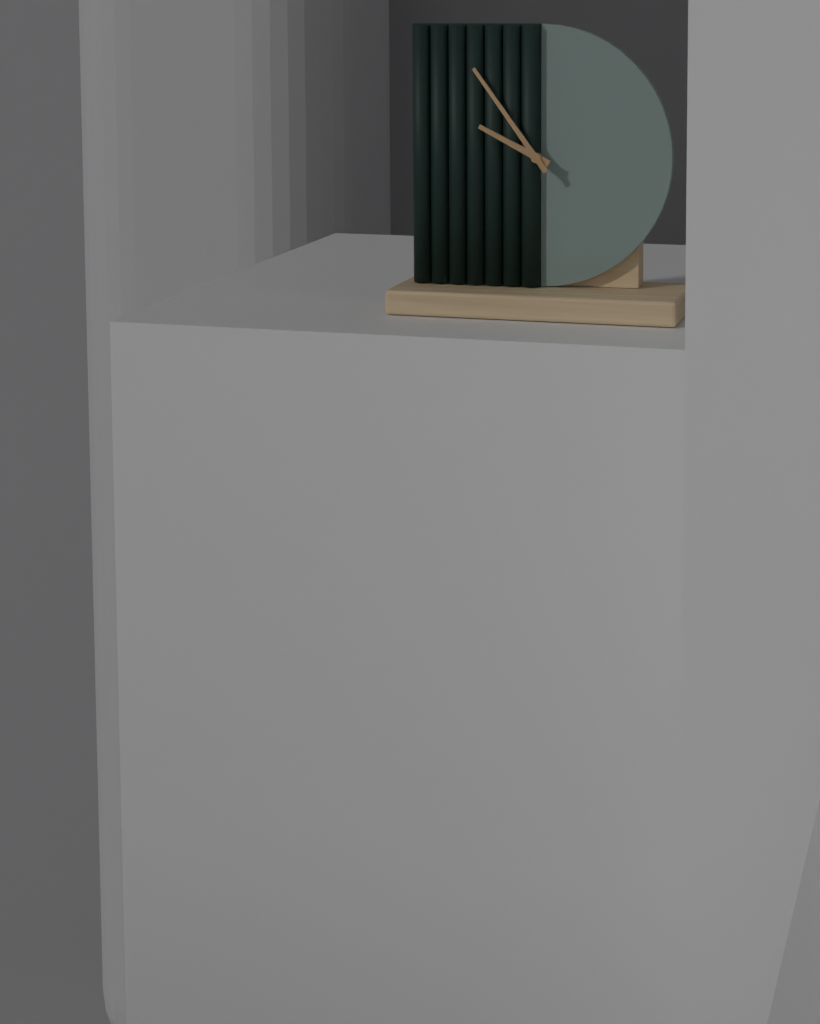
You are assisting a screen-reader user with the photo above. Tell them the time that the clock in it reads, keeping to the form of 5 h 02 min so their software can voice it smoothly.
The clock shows 9 h 54 min
